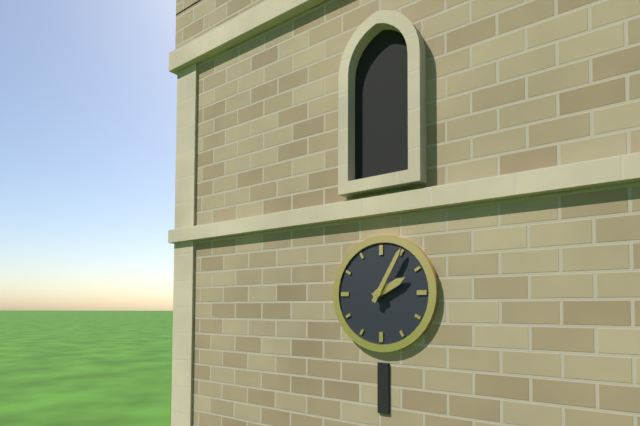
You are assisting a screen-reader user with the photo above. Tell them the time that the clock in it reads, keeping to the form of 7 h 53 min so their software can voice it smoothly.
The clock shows 2 h 05 min
